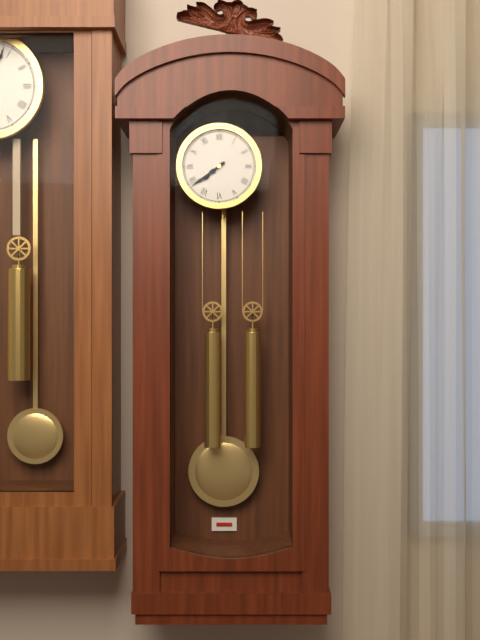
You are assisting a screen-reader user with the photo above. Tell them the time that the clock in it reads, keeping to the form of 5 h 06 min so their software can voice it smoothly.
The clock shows 7 h 39 min
